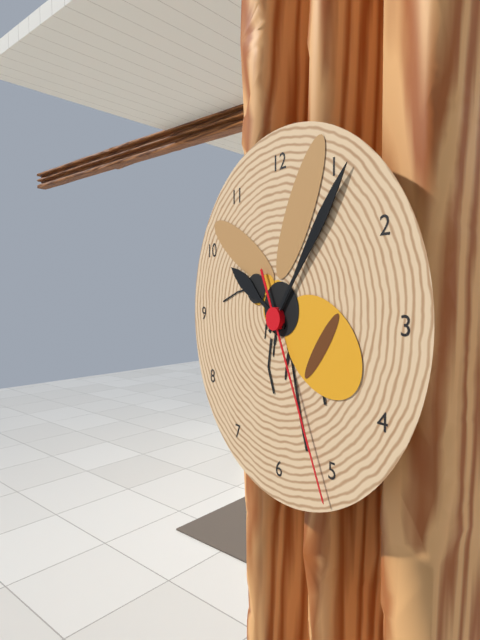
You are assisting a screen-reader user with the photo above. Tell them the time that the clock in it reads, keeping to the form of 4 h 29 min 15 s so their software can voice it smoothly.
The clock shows 10 h 06 min 26 s
